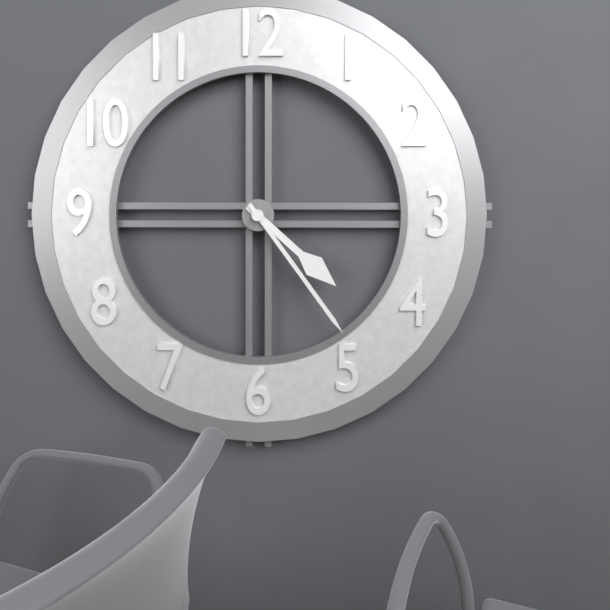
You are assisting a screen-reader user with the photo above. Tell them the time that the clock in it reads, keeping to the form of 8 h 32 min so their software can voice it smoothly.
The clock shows 4 h 24 min
